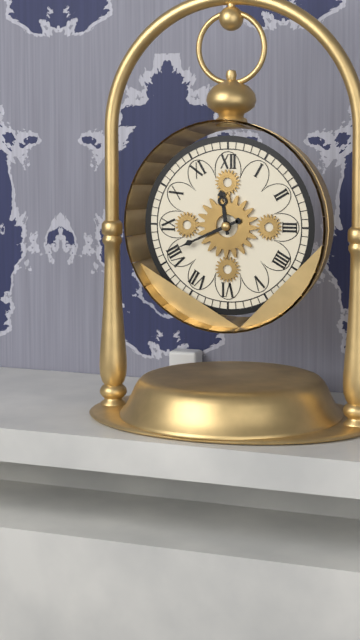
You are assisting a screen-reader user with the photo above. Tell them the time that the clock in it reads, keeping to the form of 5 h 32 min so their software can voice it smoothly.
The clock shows 11 h 41 min
